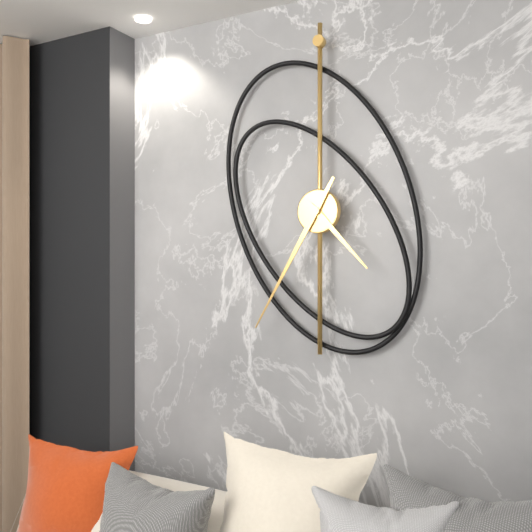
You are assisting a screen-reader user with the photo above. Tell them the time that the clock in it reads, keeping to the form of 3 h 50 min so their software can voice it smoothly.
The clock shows 4 h 35 min
